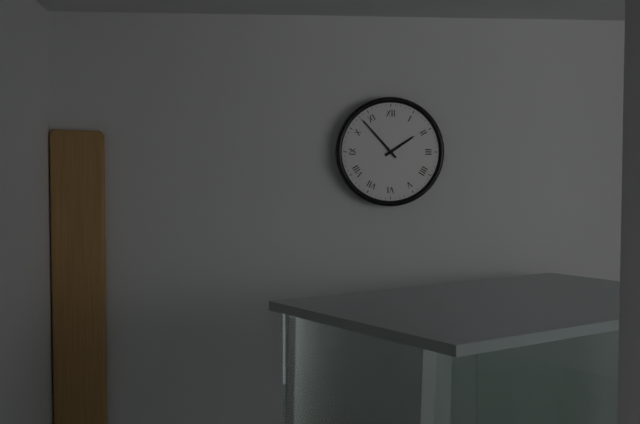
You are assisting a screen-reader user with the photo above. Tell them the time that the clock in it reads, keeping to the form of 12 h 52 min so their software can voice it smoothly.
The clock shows 1 h 53 min
